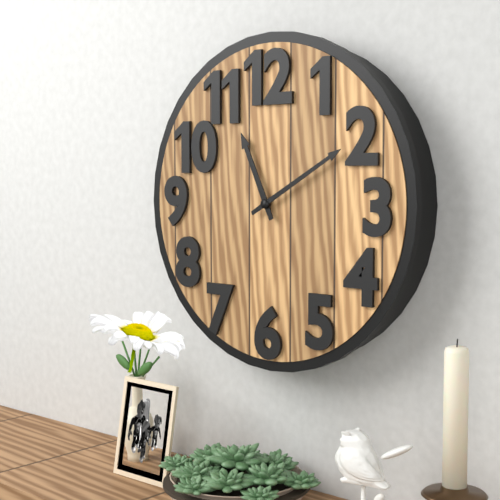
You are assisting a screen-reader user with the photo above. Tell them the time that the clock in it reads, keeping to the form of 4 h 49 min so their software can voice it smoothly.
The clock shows 11 h 10 min
